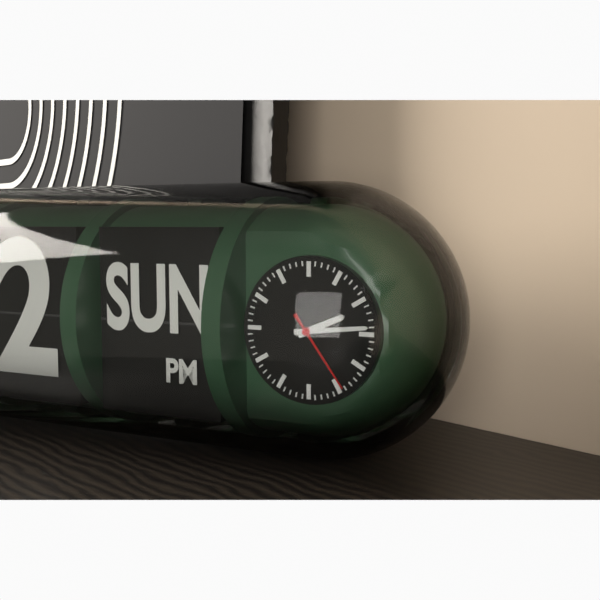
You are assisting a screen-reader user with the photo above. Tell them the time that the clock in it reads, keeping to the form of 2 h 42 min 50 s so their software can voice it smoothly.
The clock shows 2 h 14 min 24 s
